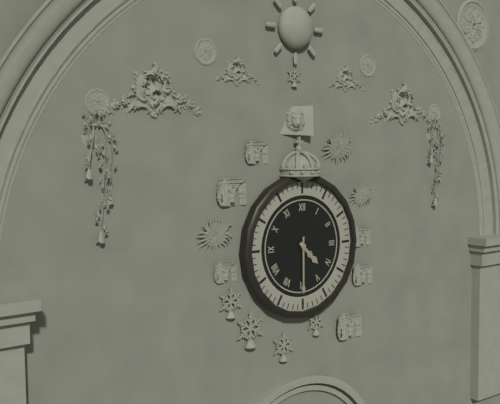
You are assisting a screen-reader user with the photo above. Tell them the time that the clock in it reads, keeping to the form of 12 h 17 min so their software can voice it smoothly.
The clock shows 4 h 30 min
